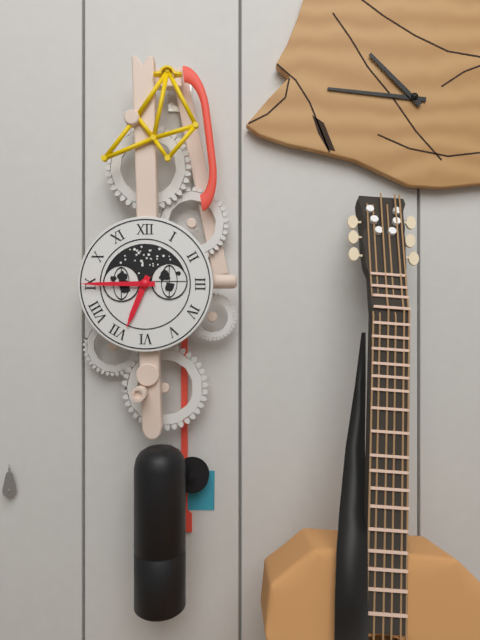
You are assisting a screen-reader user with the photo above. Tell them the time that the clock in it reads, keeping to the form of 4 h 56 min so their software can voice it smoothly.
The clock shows 6 h 45 min
